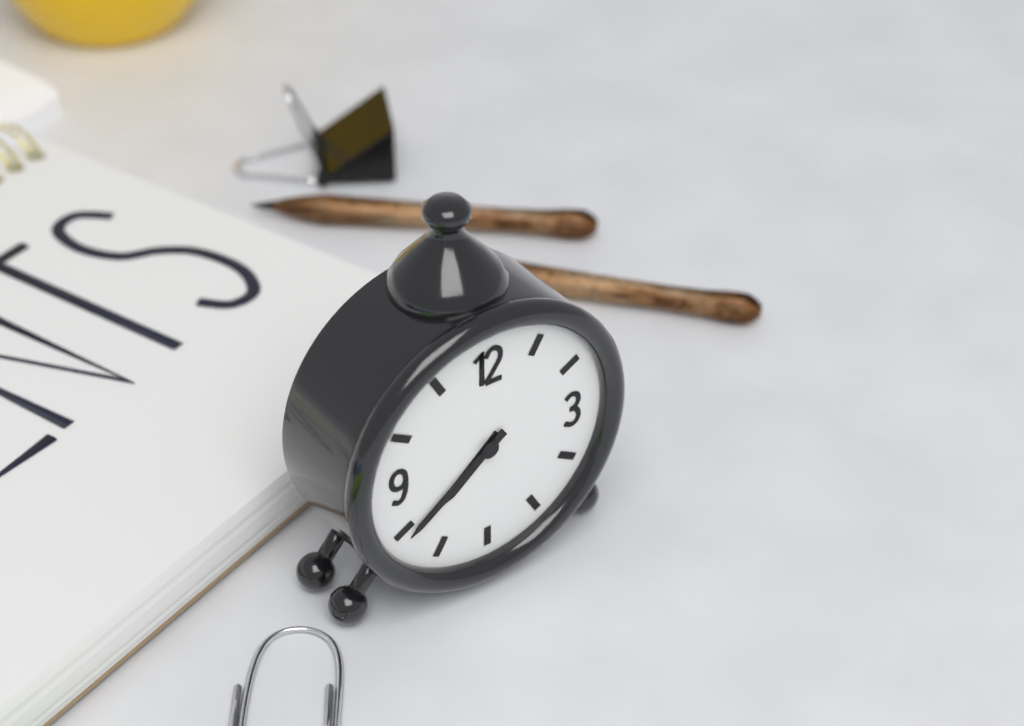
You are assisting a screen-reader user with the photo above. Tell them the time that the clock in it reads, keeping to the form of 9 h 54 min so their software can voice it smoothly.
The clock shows 7 h 39 min
